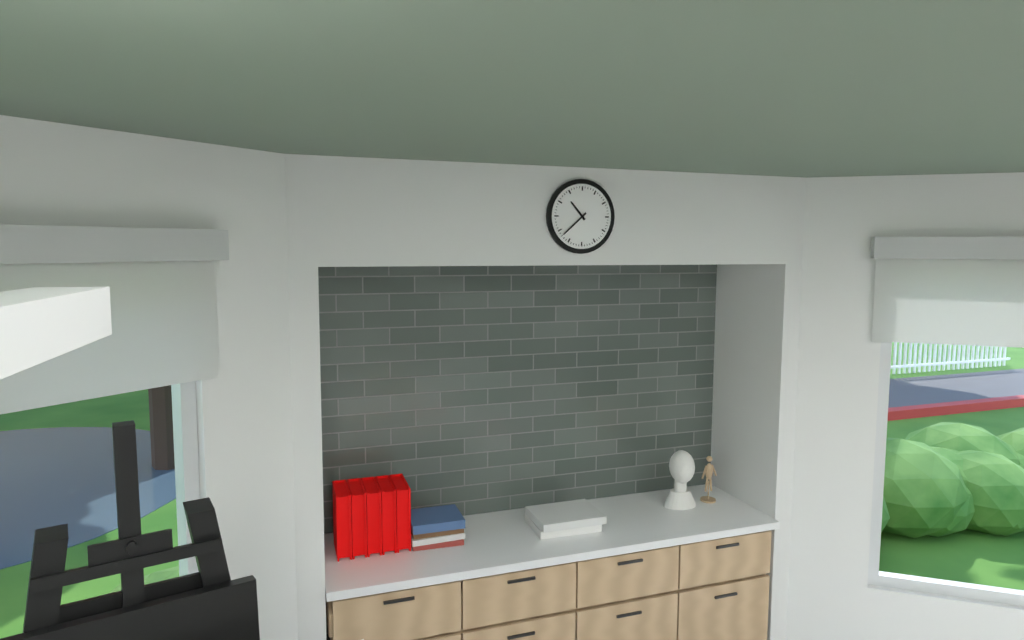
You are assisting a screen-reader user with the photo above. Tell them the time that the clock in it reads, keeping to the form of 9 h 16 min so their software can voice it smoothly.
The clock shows 10 h 38 min
